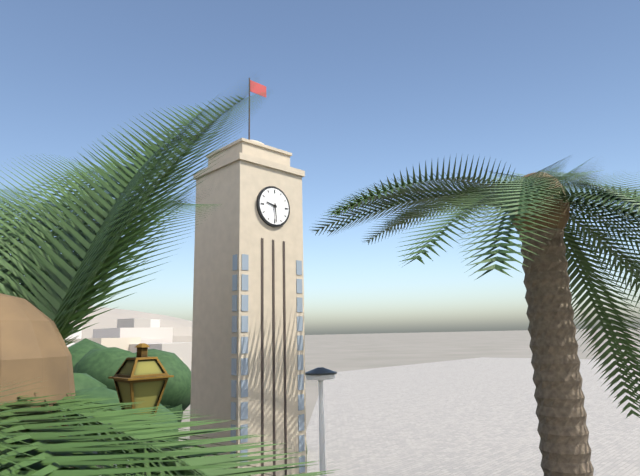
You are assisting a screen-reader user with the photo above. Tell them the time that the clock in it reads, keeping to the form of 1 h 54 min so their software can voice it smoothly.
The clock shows 9 h 29 min
